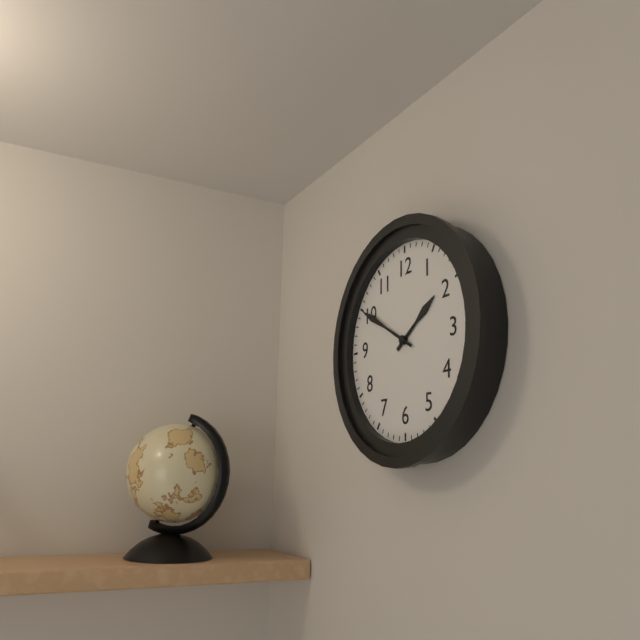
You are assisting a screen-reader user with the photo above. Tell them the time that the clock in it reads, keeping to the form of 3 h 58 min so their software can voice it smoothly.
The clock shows 1 h 50 min
